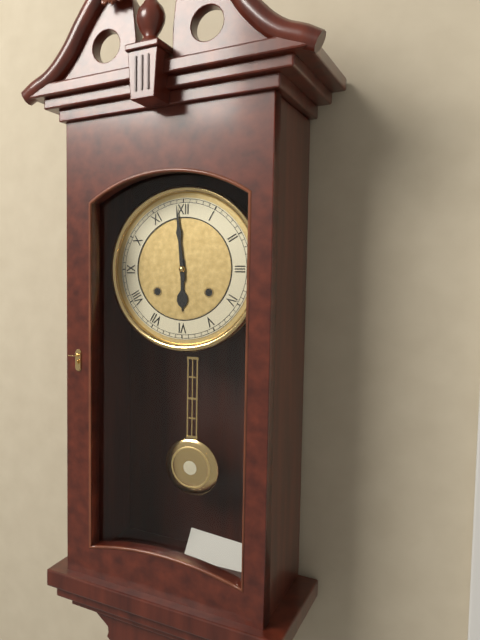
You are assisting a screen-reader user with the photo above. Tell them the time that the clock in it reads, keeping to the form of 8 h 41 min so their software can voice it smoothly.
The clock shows 5 h 59 min
